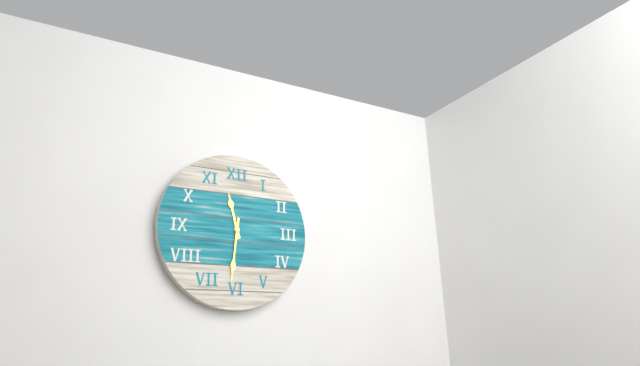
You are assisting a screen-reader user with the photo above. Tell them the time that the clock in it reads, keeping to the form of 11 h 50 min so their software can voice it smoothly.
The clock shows 11 h 31 min
